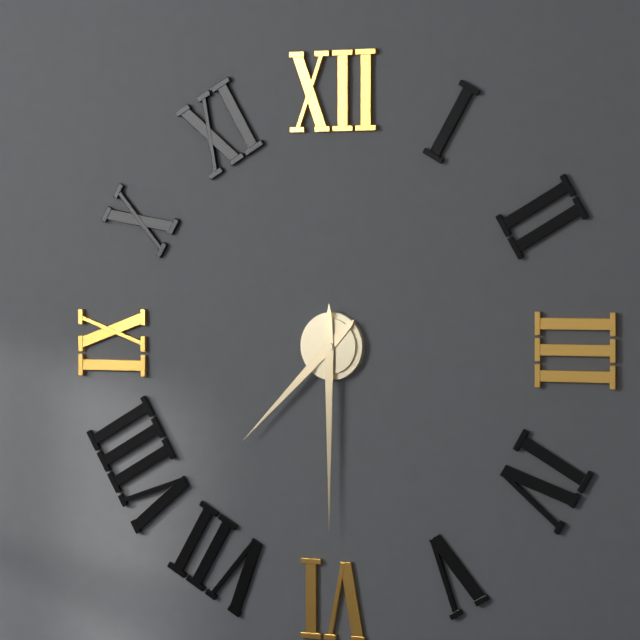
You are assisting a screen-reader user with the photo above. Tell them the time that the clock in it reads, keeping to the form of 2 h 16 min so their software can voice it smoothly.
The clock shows 7 h 30 min
